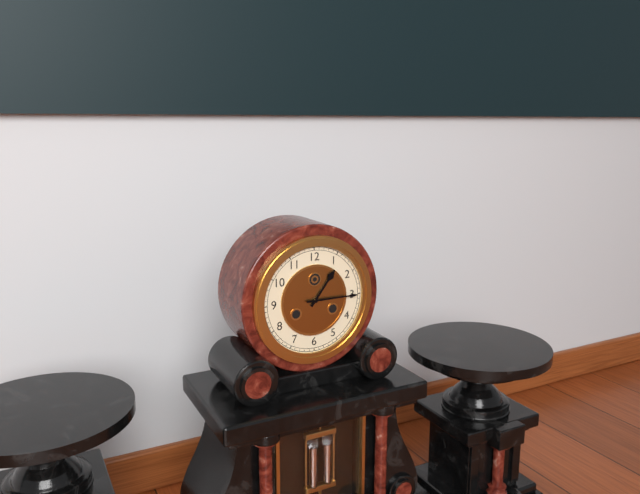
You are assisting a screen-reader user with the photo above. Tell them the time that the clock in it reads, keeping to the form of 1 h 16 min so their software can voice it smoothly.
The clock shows 1 h 15 min
